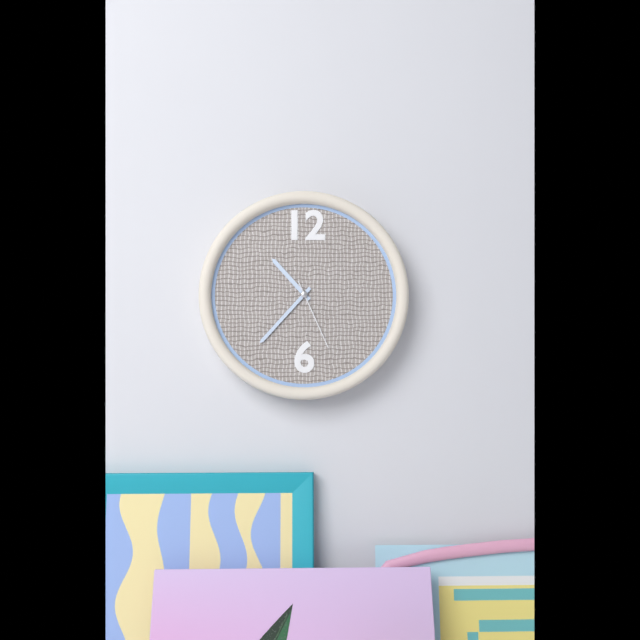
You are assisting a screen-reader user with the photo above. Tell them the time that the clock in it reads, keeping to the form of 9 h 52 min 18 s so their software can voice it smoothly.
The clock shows 10 h 37 min 26 s
